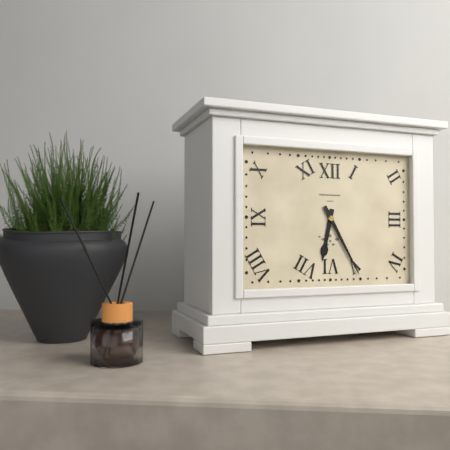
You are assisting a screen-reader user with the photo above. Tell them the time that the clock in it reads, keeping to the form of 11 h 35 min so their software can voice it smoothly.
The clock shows 6 h 25 min
